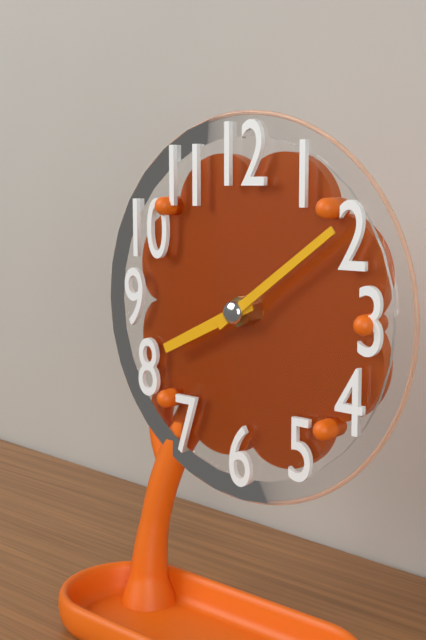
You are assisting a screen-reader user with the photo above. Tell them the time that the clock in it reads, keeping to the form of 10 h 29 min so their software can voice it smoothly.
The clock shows 8 h 09 min
